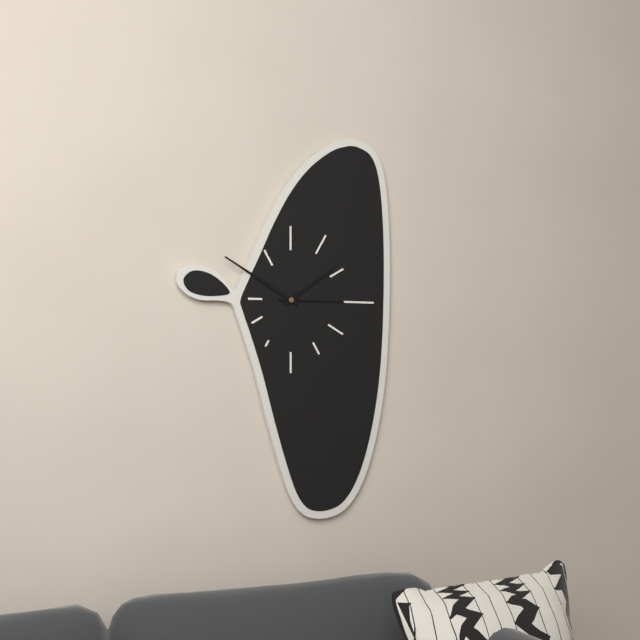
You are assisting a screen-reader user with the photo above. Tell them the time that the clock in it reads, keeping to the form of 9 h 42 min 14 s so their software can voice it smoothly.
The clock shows 1 h 50 min 15 s
